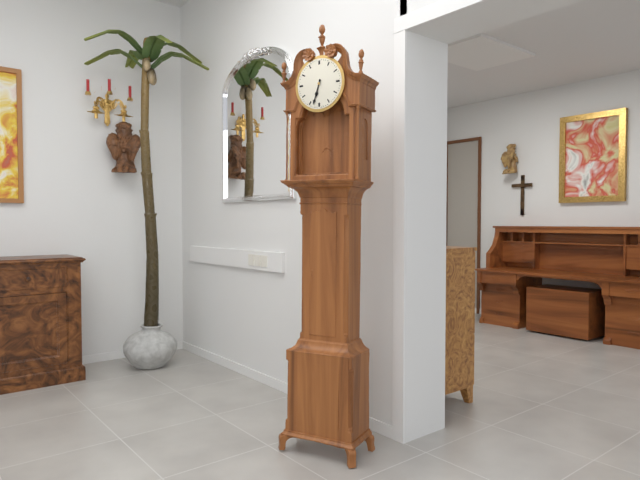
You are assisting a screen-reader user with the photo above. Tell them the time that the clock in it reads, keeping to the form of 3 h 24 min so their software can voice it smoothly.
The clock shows 6 h 33 min
